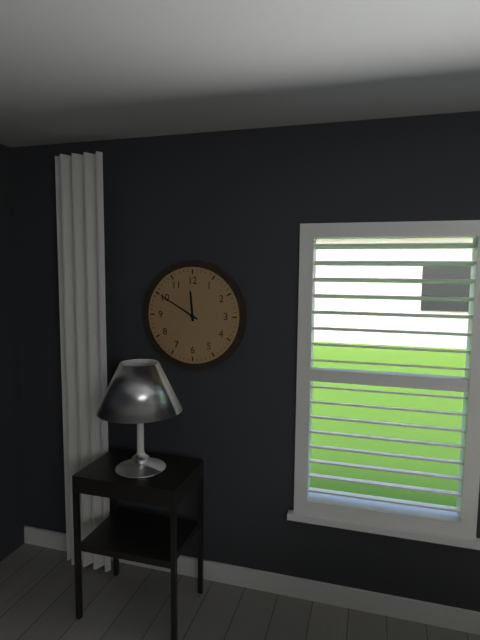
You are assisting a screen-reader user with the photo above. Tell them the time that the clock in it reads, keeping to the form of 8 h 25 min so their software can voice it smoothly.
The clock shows 11 h 50 min
